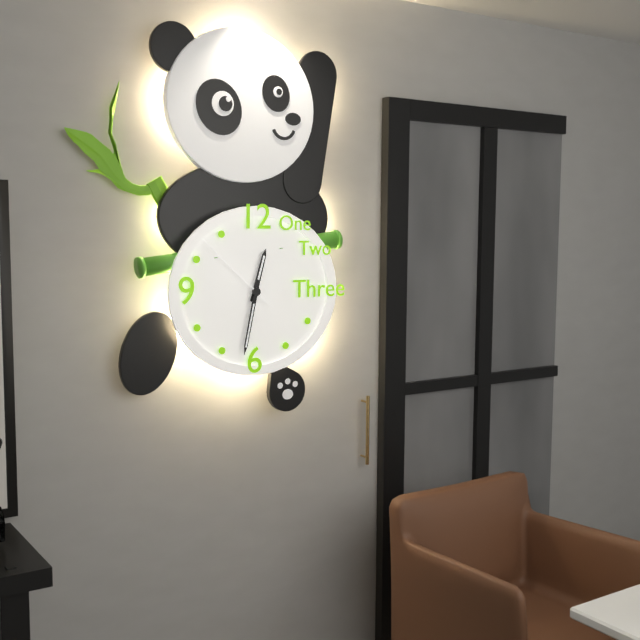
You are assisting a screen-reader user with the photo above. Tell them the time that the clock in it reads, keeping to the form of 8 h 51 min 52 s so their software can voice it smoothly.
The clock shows 12 h 32 min 52 s
